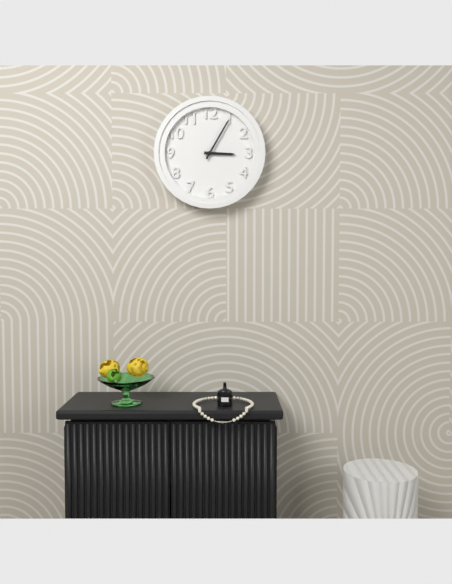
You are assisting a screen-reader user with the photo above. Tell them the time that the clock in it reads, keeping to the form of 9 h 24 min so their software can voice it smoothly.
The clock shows 3 h 05 min
